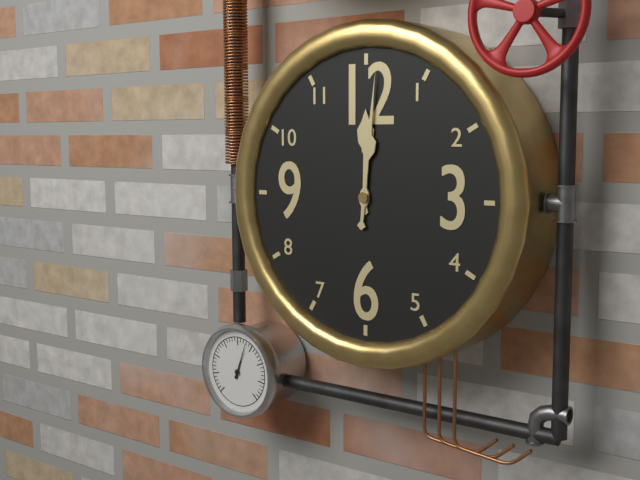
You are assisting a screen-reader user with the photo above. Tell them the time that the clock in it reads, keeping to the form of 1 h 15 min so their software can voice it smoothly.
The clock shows 12 h 01 min
